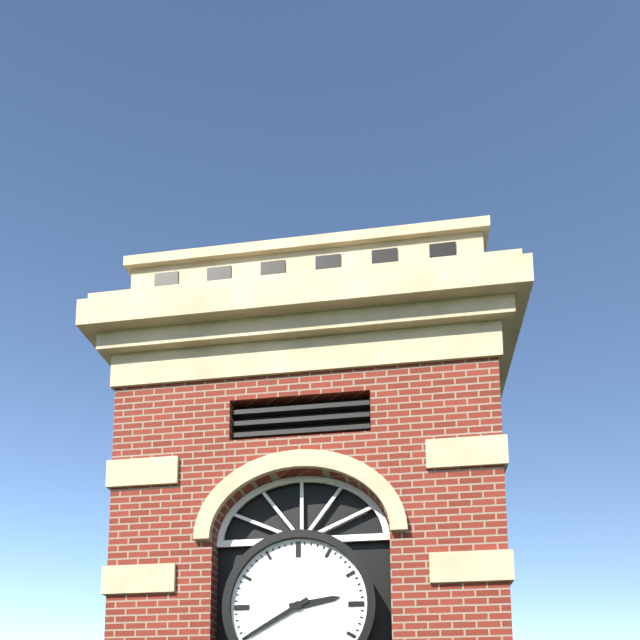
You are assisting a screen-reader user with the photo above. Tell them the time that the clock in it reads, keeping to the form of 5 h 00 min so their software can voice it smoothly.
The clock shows 2 h 40 min
